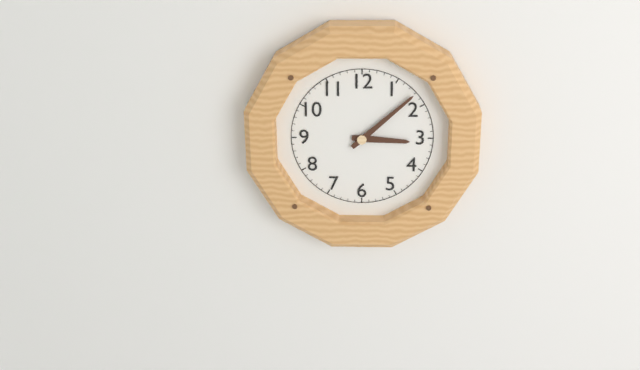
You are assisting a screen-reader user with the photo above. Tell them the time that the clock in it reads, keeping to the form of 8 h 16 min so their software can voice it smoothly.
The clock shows 3 h 08 min
